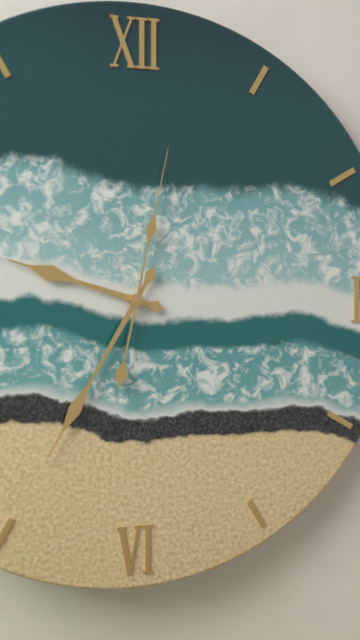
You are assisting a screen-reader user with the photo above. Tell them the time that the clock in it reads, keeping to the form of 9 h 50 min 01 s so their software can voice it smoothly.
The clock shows 9 h 35 min 02 s
